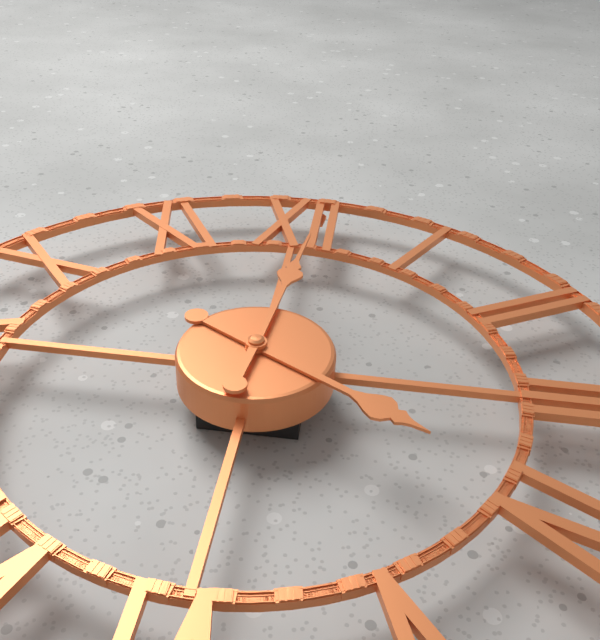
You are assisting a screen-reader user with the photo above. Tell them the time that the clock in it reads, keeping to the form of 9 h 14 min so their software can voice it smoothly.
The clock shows 4 h 01 min
